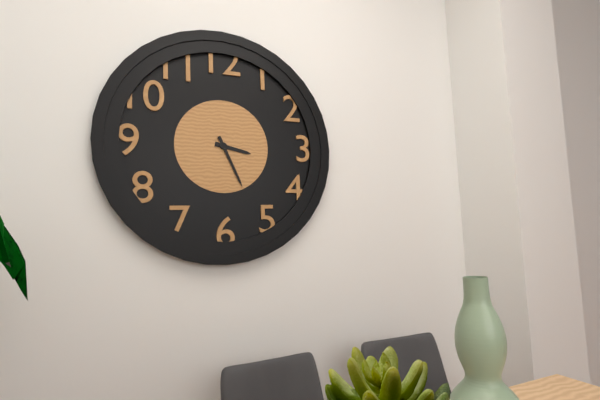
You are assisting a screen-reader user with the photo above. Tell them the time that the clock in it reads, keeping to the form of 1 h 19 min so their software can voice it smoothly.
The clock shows 3 h 26 min
